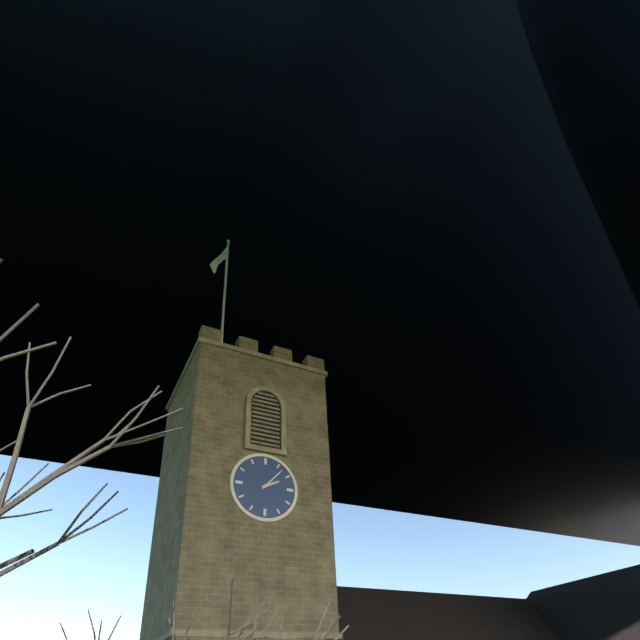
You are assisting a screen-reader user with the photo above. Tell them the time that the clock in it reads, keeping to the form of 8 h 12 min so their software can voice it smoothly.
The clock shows 2 h 07 min
